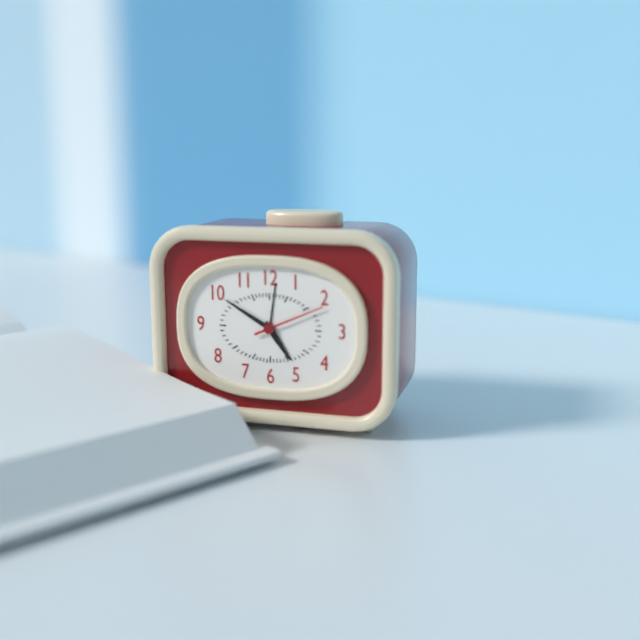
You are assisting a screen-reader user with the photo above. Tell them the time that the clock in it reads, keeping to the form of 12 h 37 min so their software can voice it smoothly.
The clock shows 4 h 50 min
